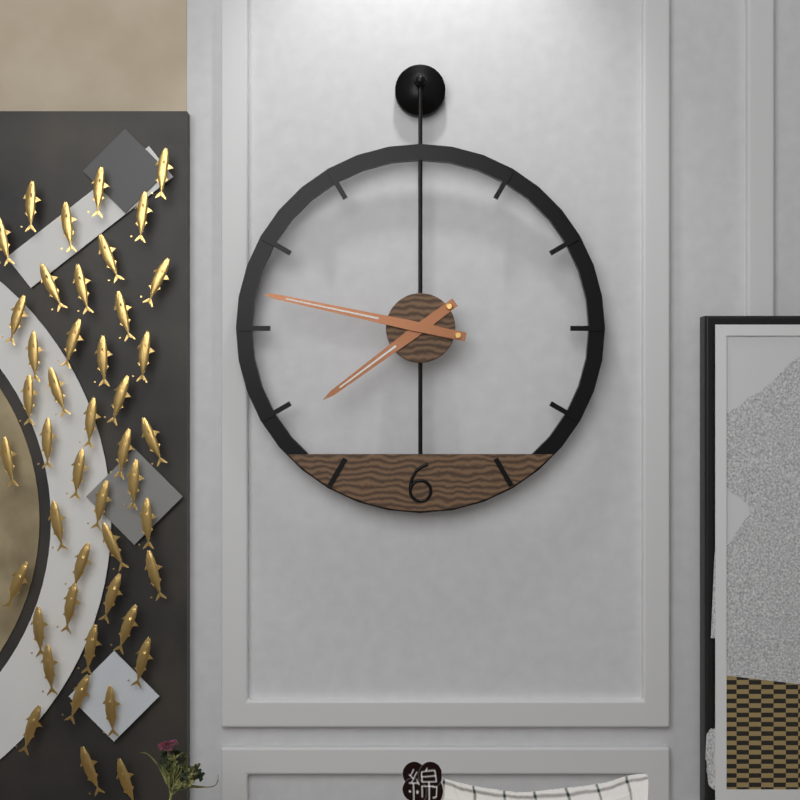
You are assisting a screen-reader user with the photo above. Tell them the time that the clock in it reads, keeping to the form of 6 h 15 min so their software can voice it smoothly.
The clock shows 7 h 47 min
